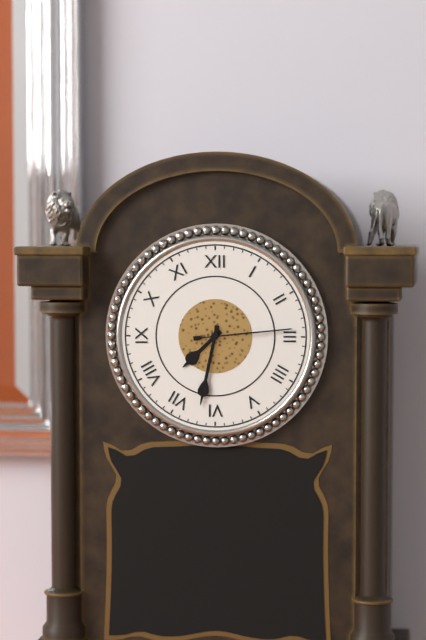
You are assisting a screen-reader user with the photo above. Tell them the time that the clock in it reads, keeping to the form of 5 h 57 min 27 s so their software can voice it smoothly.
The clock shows 7 h 32 min 14 s
